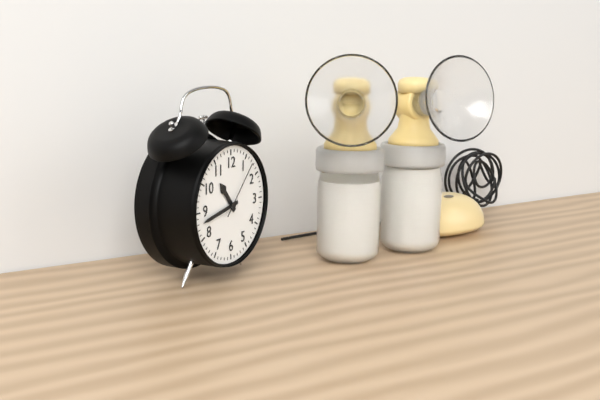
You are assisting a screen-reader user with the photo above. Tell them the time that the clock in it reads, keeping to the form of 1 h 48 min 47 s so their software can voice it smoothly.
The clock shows 10 h 43 min 07 s
